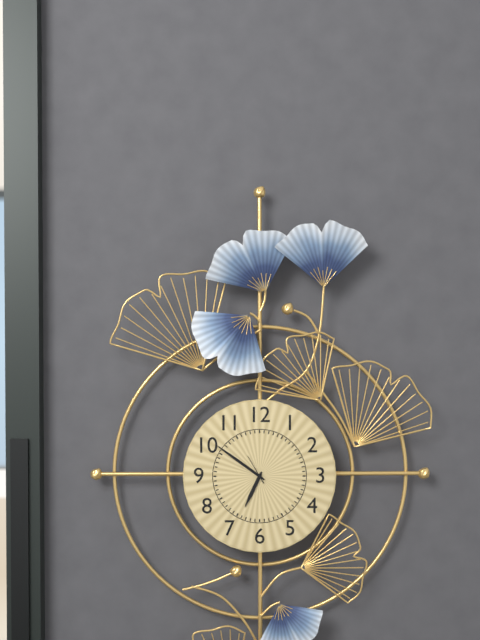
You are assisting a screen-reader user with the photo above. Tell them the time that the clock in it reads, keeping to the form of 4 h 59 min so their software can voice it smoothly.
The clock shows 6 h 51 min
